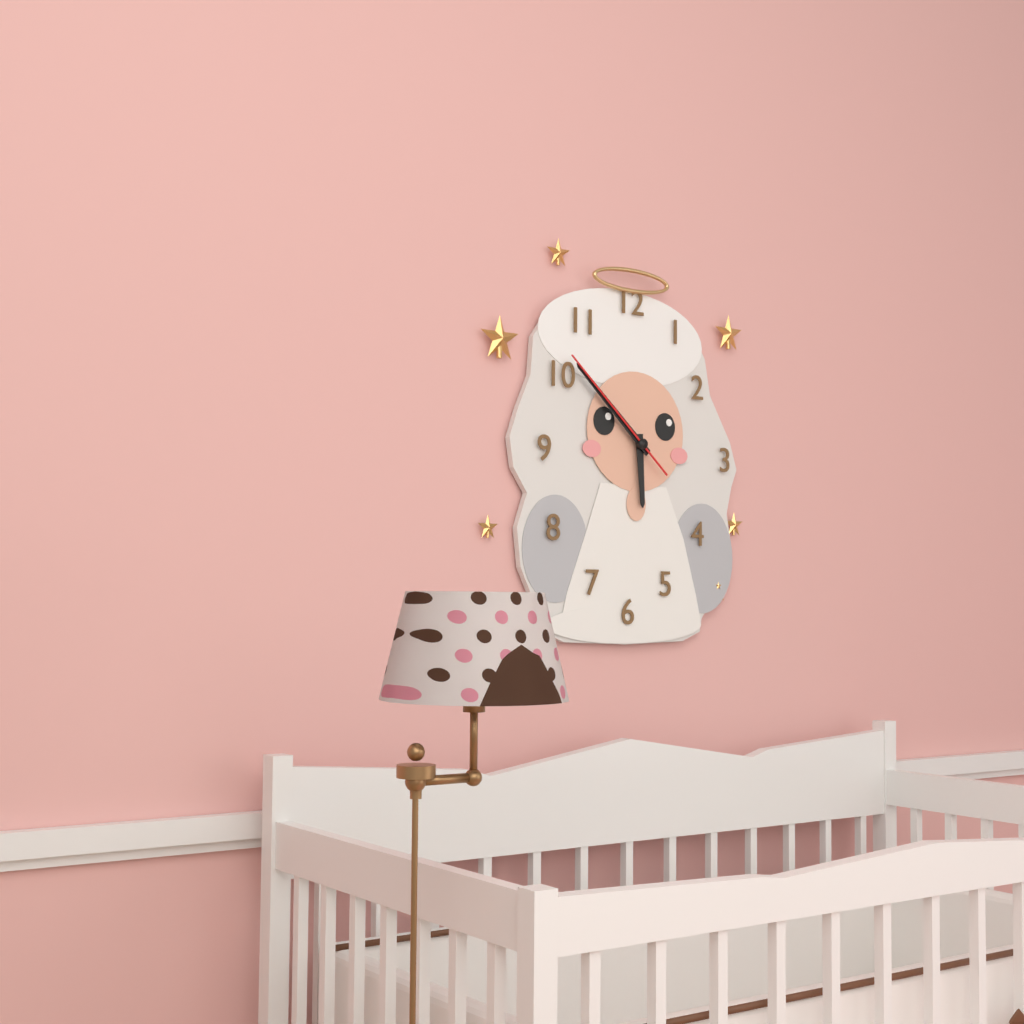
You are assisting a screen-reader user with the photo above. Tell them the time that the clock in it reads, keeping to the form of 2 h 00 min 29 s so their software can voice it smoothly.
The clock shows 5 h 52 min 52 s
